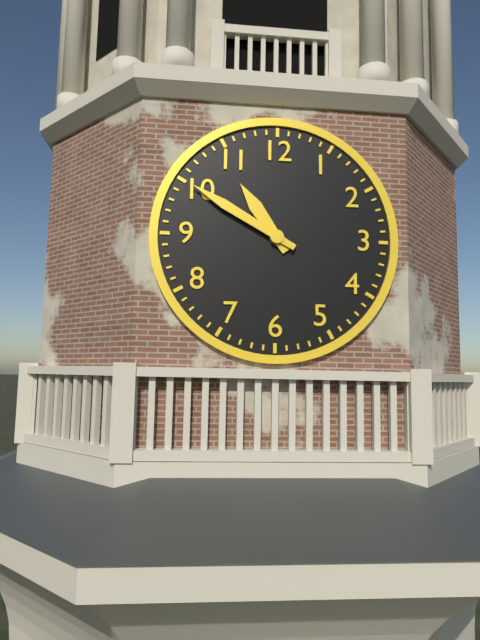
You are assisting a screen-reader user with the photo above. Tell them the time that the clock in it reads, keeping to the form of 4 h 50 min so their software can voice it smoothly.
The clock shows 10 h 50 min
